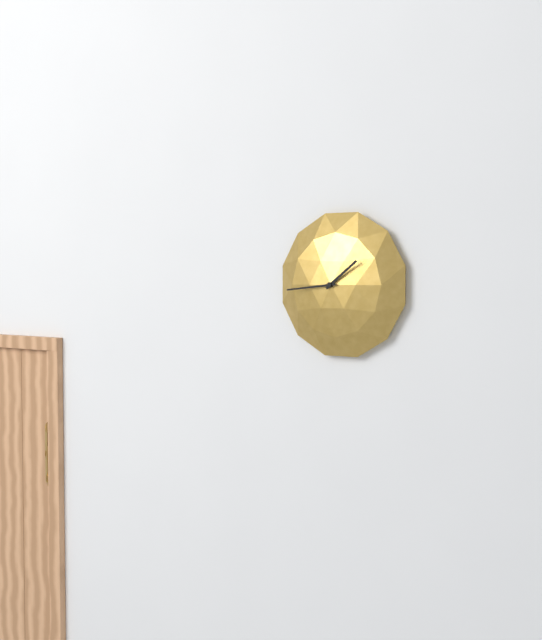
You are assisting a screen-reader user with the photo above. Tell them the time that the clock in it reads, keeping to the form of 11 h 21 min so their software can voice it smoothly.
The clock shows 1 h 44 min
